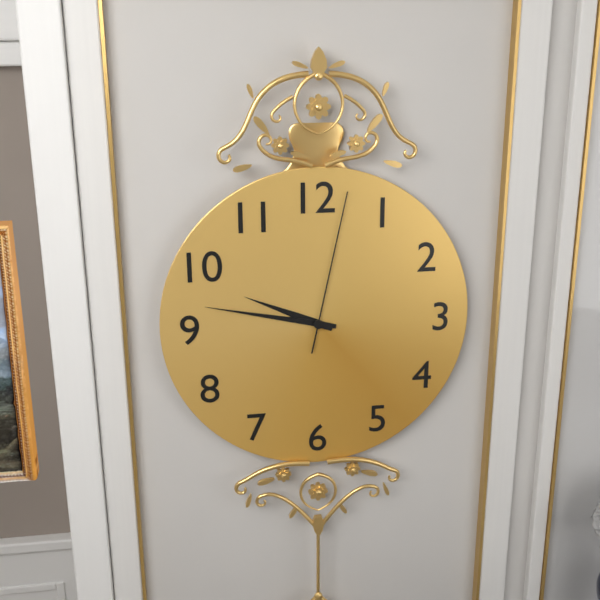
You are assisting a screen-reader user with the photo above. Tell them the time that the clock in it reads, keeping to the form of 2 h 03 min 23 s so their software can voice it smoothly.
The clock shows 9 h 47 min 02 s
